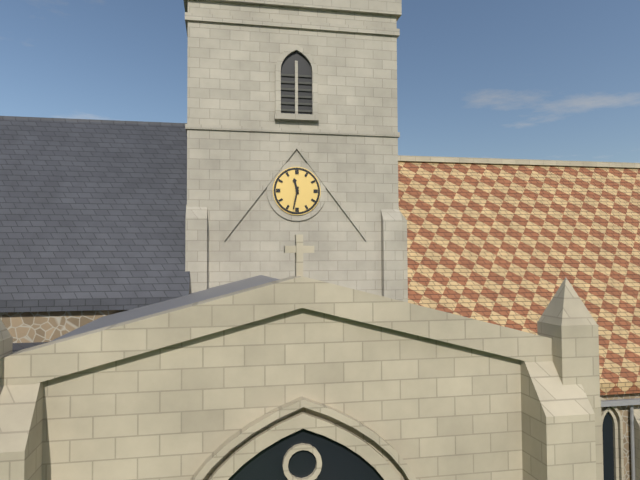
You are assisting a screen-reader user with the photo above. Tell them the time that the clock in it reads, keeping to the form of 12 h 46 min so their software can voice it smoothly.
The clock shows 11 h 32 min
